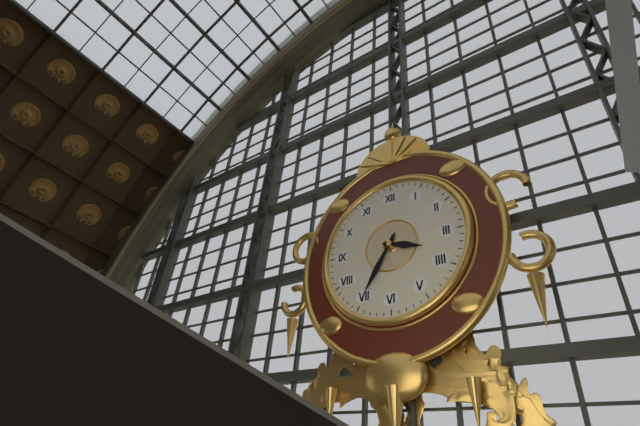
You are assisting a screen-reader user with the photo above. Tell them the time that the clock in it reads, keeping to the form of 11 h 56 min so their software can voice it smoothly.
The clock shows 3 h 35 min
